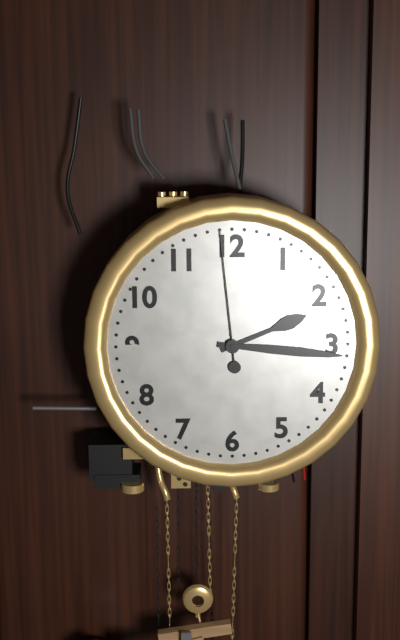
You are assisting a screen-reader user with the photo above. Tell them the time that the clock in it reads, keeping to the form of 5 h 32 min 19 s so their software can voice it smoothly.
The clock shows 2 h 16 min 59 s
